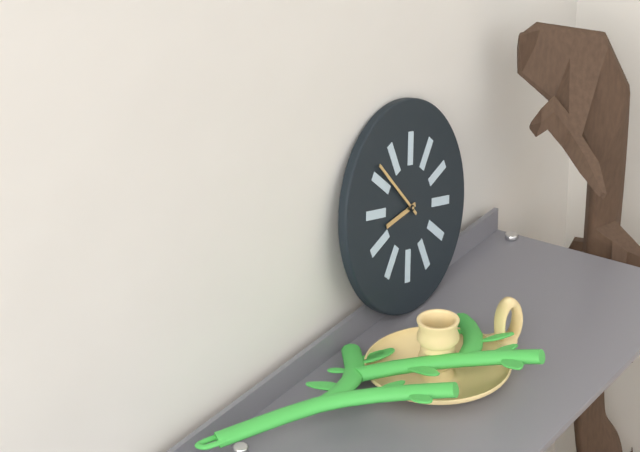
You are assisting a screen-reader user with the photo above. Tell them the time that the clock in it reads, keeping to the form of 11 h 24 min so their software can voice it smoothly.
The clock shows 8 h 54 min
